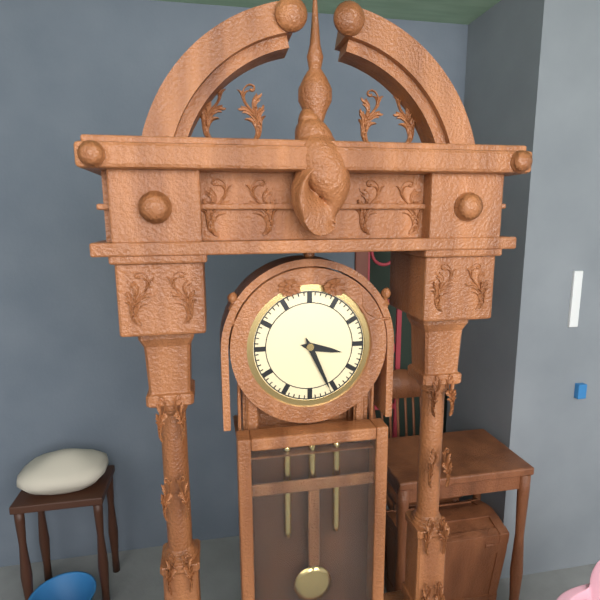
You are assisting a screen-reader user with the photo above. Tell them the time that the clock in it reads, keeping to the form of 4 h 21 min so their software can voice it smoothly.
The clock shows 3 h 26 min
